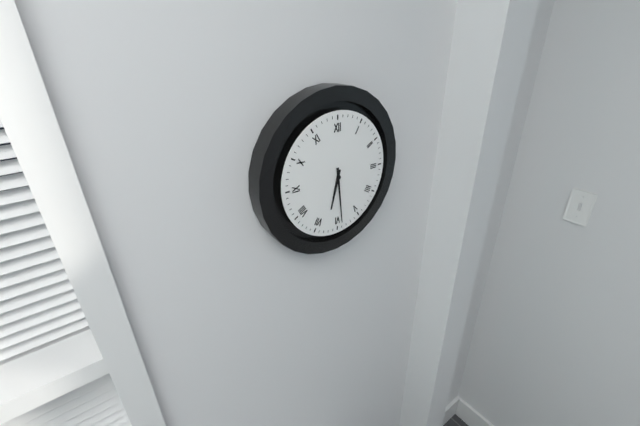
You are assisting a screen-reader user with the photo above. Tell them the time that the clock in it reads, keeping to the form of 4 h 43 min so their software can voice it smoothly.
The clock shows 6 h 29 min
